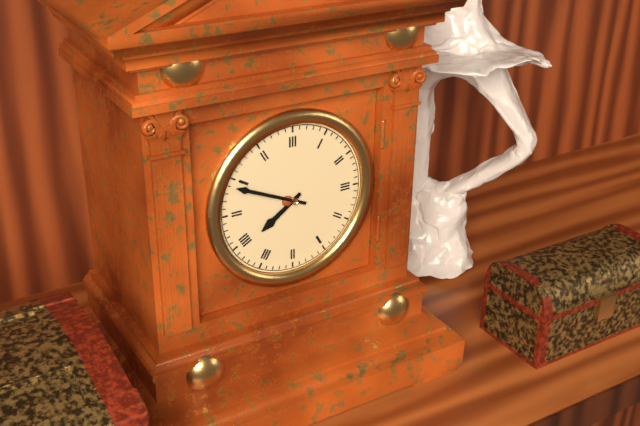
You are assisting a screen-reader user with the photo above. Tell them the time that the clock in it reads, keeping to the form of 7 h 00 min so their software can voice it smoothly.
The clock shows 7 h 49 min
